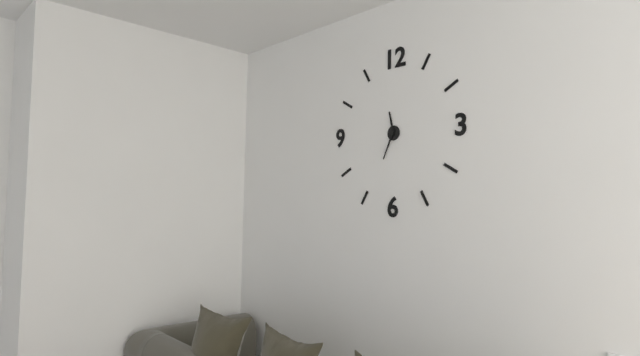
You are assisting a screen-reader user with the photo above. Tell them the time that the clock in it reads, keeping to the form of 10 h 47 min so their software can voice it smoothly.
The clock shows 11 h 34 min
